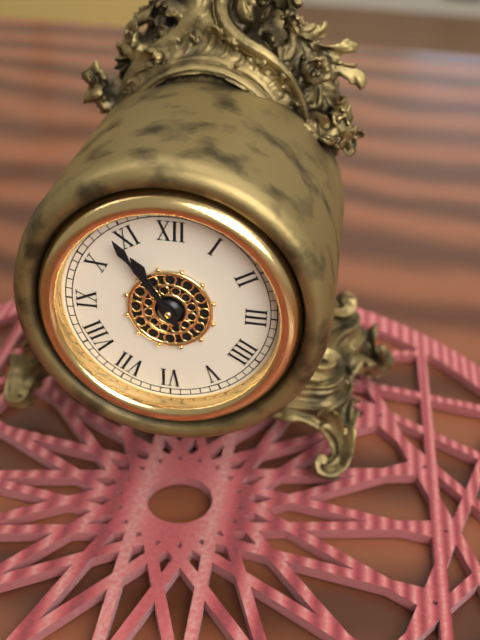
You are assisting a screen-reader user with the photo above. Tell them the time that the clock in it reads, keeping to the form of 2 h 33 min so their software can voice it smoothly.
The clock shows 10 h 54 min
